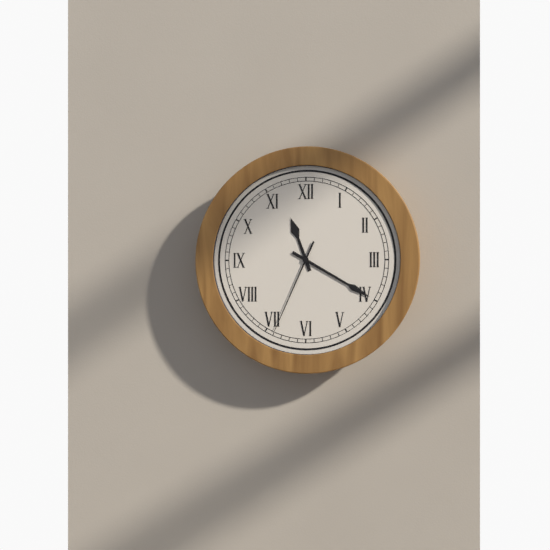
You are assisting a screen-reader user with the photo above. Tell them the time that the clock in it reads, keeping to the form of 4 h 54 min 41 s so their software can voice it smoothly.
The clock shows 11 h 20 min 34 s
